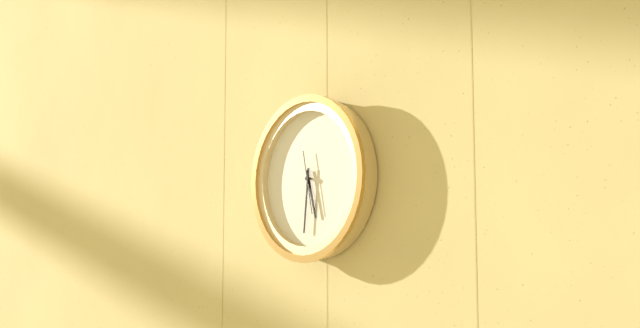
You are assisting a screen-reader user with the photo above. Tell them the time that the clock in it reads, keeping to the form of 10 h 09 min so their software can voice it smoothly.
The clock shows 5 h 31 min
